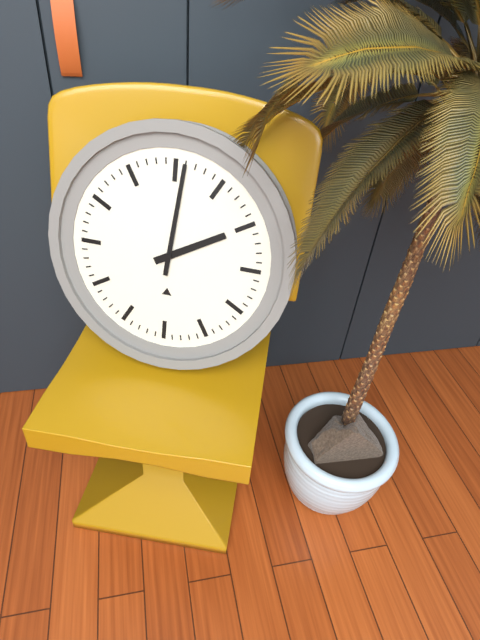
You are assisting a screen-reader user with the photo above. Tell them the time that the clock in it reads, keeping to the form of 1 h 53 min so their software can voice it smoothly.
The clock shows 2 h 01 min
